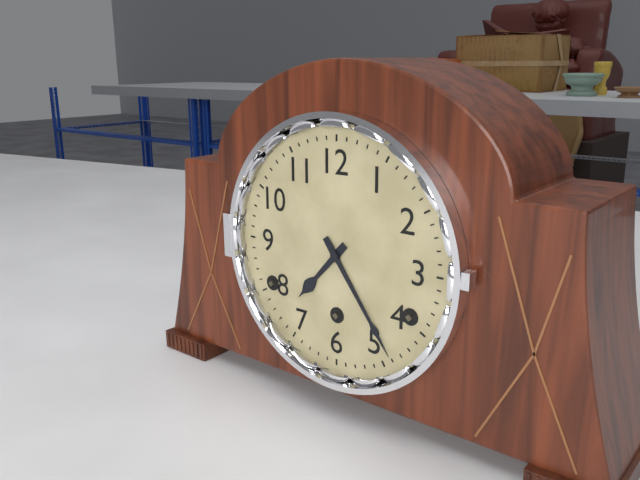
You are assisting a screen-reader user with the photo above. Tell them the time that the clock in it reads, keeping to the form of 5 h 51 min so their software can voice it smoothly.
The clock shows 7 h 24 min
